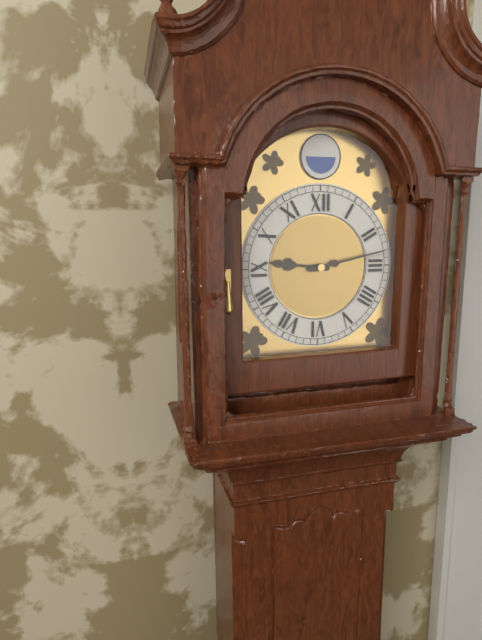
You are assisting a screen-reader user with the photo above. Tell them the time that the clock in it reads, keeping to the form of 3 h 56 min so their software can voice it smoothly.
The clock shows 9 h 13 min
